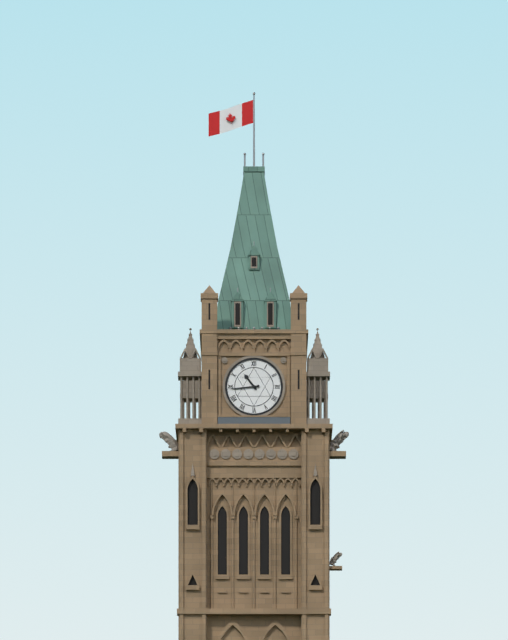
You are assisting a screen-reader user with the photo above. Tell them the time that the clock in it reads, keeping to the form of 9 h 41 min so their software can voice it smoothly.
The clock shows 10 h 44 min
